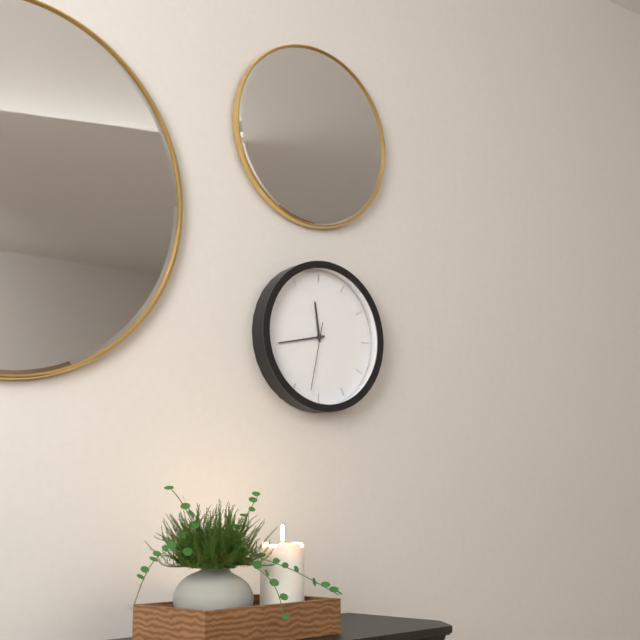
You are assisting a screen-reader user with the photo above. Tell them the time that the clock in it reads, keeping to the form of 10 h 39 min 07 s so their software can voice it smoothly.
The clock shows 11 h 43 min 32 s
